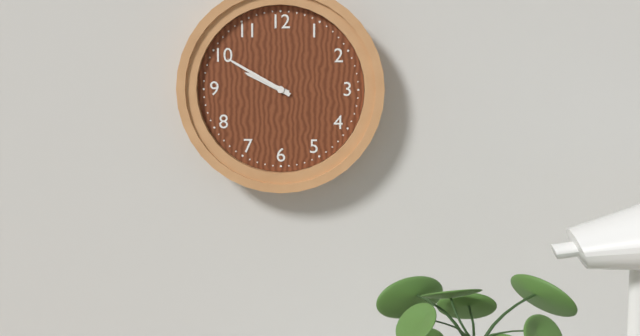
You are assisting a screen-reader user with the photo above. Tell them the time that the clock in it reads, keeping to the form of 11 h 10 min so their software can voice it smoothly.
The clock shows 9 h 50 min
